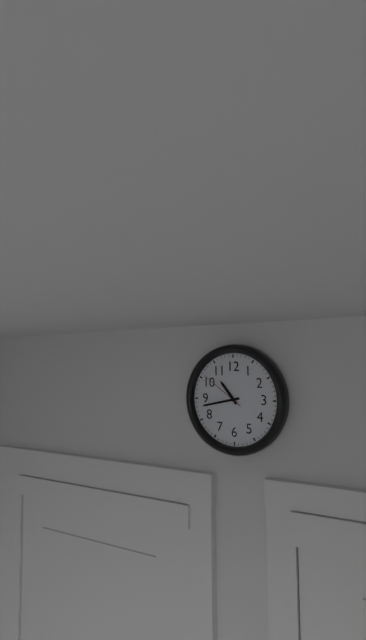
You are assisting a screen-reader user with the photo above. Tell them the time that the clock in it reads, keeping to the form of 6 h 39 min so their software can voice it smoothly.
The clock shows 10 h 43 min
